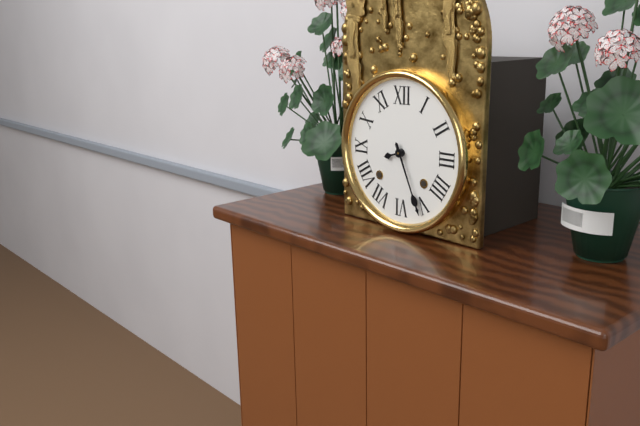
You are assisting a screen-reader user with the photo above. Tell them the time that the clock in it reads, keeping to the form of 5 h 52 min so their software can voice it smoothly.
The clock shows 8 h 26 min
